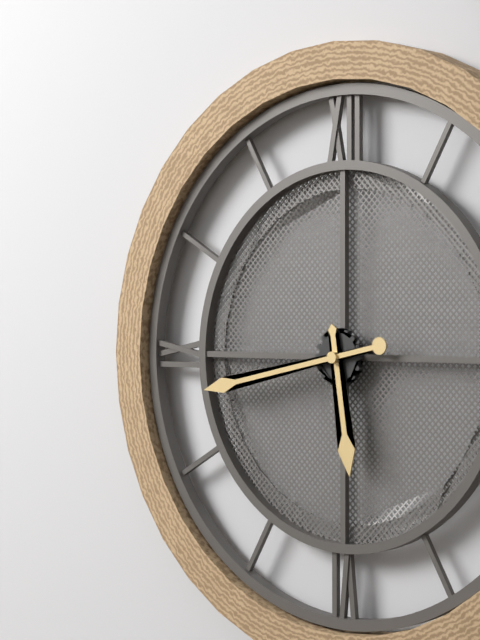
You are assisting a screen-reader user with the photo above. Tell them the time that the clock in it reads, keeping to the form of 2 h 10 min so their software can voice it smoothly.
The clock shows 5 h 43 min
